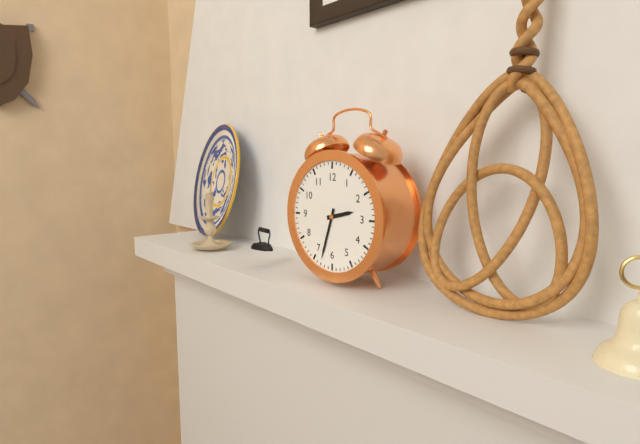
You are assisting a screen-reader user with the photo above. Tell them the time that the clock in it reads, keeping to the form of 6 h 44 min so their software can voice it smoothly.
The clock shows 2 h 33 min
